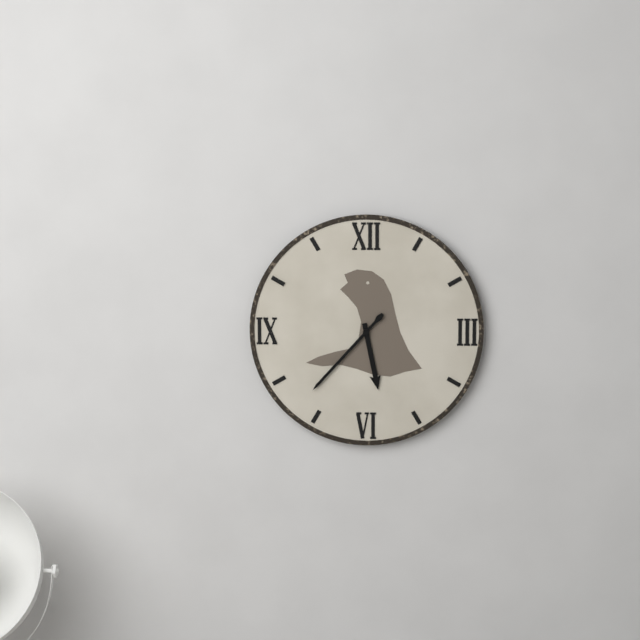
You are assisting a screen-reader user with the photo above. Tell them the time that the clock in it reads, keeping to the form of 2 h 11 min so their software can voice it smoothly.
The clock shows 5 h 37 min
